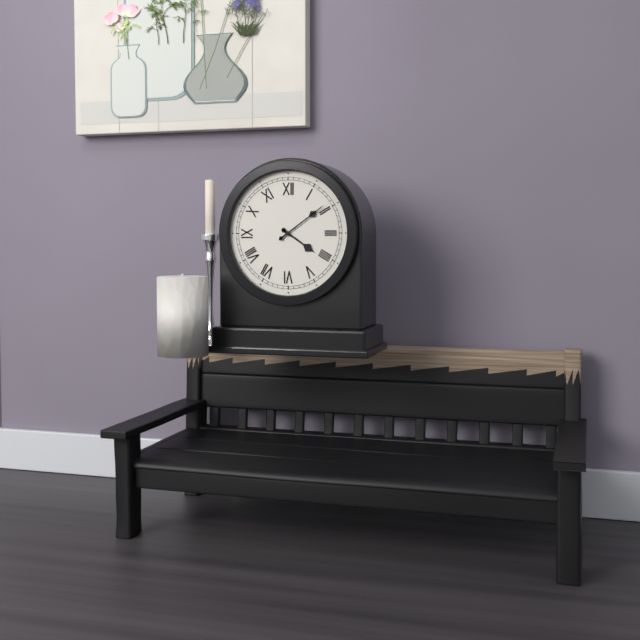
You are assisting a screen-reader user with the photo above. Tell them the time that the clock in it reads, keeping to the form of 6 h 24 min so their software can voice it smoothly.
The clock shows 4 h 09 min
